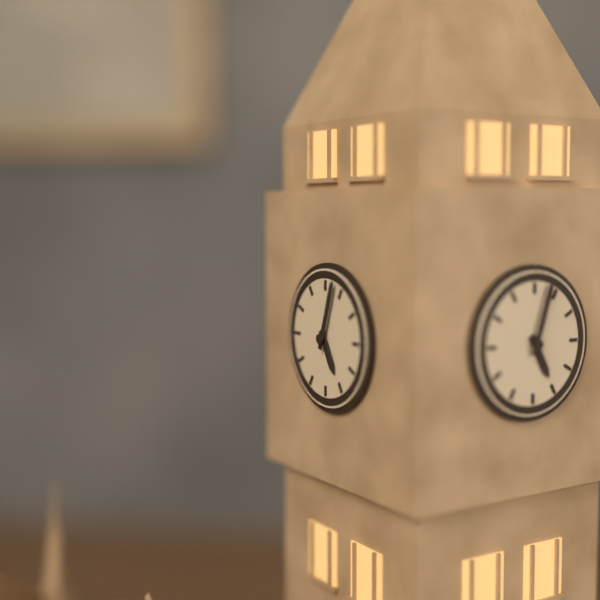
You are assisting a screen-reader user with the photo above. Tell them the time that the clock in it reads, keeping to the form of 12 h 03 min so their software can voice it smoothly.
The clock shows 5 h 03 min
